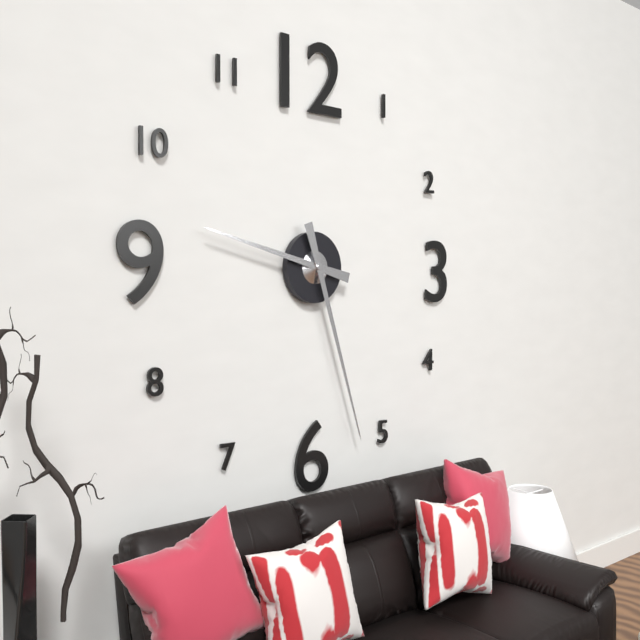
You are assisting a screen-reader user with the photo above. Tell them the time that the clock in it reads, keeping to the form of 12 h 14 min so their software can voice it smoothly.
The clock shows 9 h 27 min
